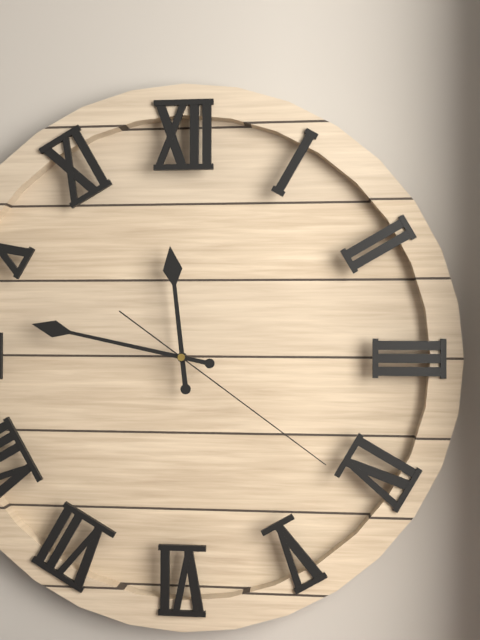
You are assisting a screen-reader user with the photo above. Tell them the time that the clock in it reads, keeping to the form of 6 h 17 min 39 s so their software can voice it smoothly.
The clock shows 11 h 47 min 21 s
